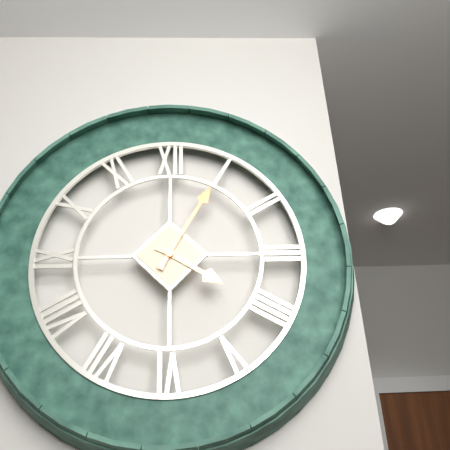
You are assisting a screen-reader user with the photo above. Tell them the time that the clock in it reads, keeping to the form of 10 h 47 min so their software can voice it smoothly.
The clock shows 4 h 05 min
